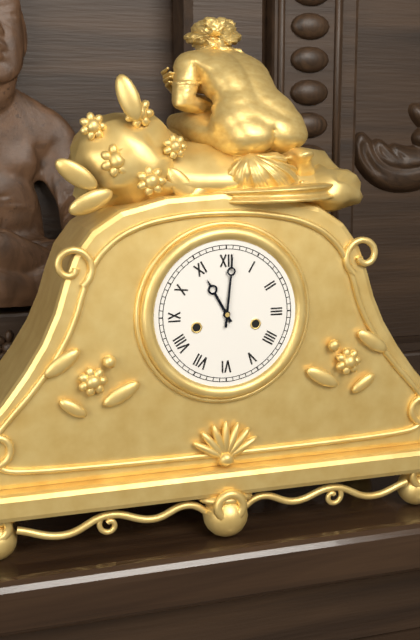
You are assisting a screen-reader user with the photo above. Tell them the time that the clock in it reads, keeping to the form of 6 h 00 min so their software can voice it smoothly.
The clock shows 11 h 01 min
